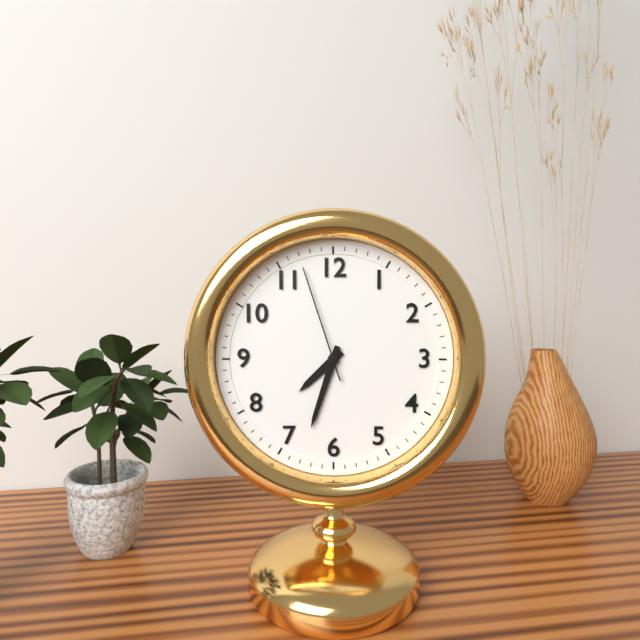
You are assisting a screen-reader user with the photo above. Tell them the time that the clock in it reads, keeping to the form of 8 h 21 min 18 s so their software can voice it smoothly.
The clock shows 7 h 33 min 57 s
